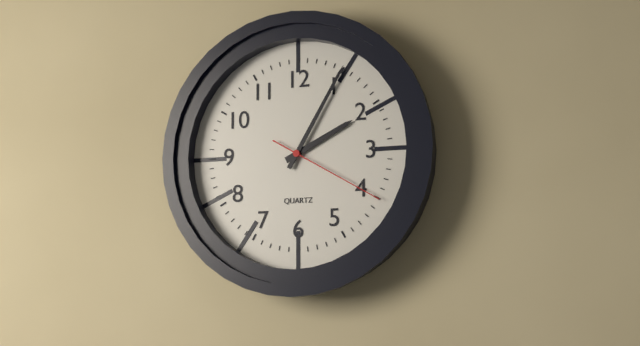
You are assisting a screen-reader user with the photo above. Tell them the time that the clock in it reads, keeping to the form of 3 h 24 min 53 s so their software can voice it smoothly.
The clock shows 2 h 05 min 20 s
